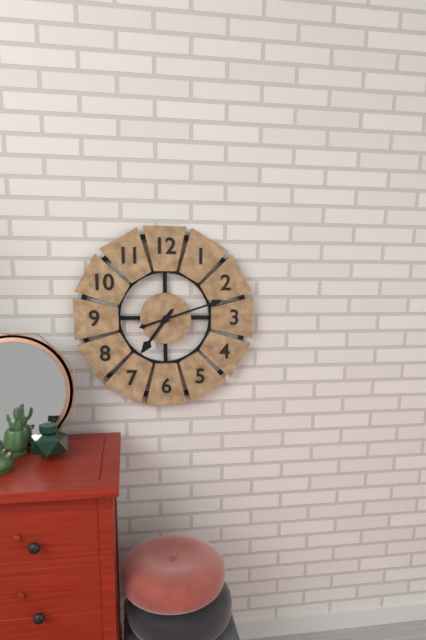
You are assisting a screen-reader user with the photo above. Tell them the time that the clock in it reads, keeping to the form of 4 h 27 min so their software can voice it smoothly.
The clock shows 7 h 12 min
